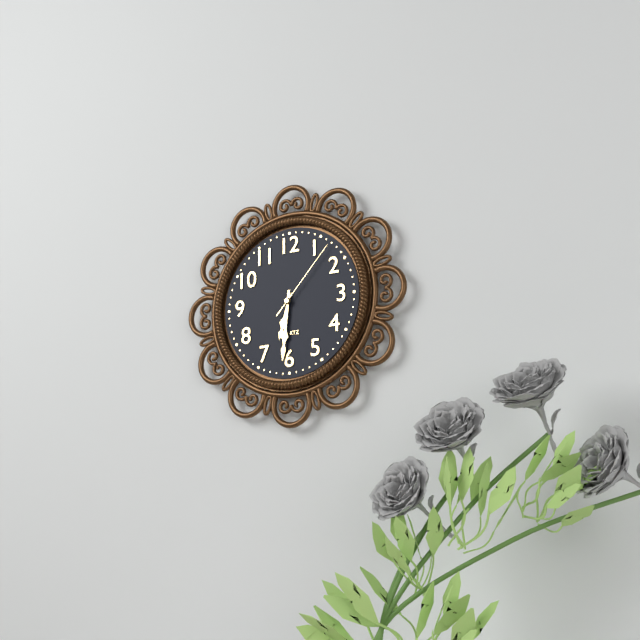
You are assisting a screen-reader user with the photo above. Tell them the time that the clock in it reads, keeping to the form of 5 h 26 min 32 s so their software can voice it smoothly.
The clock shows 6 h 31 min 07 s
